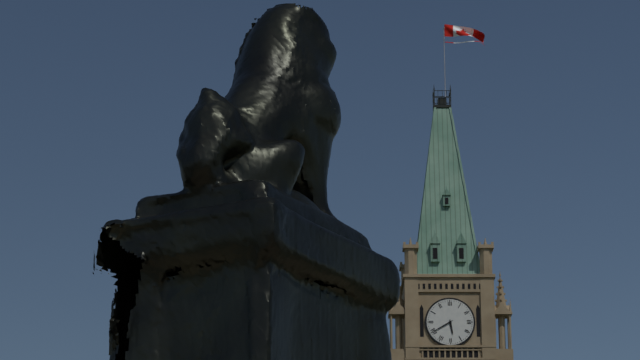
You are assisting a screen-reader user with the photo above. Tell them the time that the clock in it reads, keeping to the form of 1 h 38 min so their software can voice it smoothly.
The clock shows 5 h 40 min
